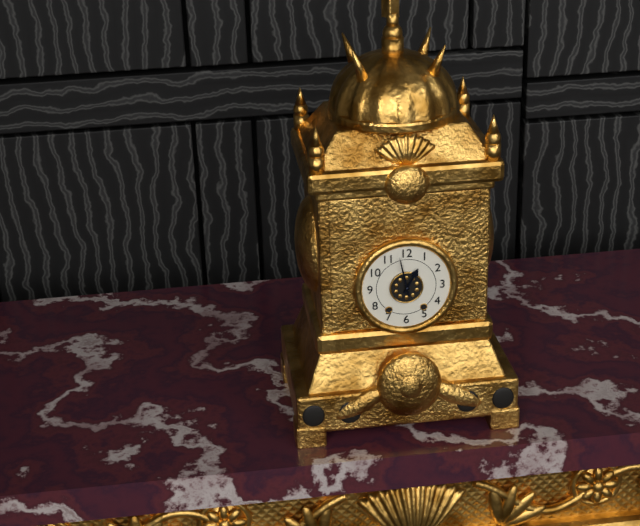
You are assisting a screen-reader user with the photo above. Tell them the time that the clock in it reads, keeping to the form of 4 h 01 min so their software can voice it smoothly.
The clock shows 12 h 58 min
